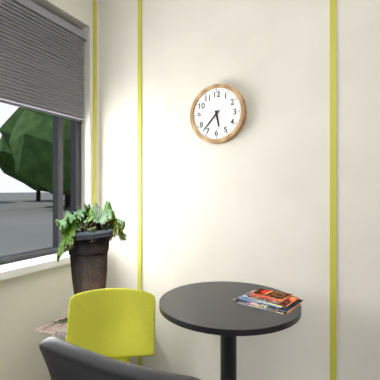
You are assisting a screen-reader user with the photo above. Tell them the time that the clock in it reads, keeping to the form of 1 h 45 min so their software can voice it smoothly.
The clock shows 5 h 37 min
